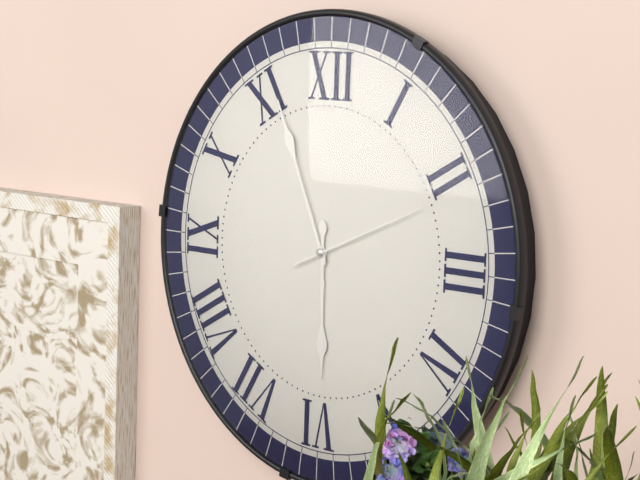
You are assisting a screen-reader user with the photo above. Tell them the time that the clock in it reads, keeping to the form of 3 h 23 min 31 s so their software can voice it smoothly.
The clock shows 5 h 56 min 11 s
